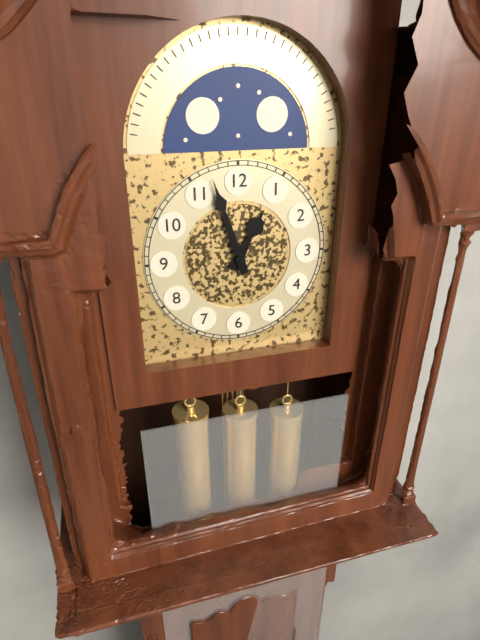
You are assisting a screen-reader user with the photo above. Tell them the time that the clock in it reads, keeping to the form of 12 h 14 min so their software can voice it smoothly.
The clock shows 12 h 57 min
